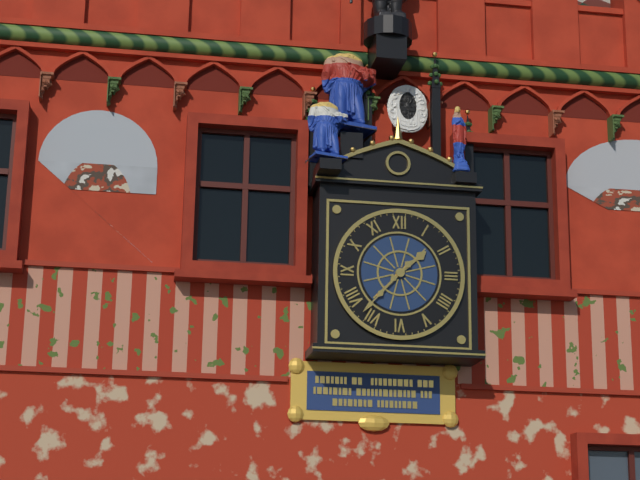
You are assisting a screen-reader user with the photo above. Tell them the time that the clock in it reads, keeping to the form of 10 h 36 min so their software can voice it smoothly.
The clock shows 1 h 37 min
